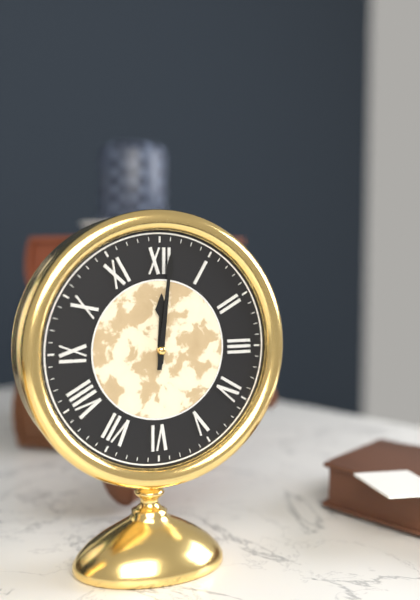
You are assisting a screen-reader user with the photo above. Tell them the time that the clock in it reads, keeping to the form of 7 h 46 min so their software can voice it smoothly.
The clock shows 12 h 01 min
